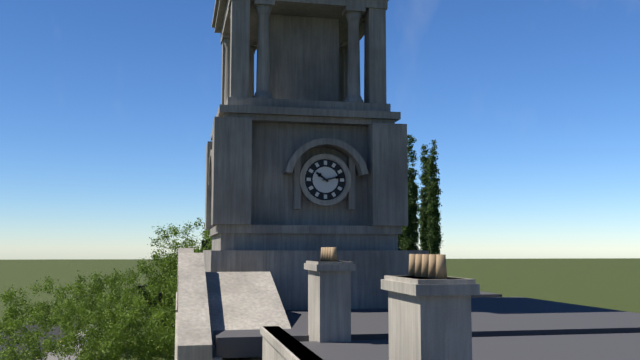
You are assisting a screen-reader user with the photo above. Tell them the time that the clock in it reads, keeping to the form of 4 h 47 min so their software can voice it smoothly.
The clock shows 10 h 13 min
